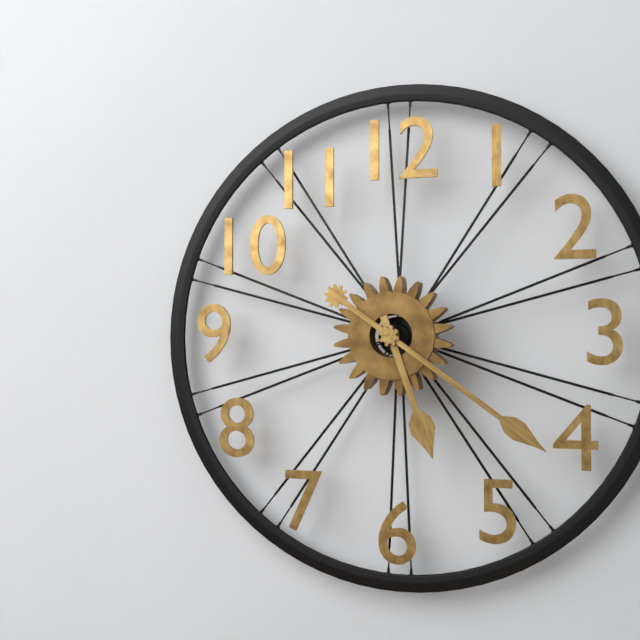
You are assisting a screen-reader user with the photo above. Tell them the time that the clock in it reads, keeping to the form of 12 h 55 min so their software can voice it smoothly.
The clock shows 5 h 21 min
